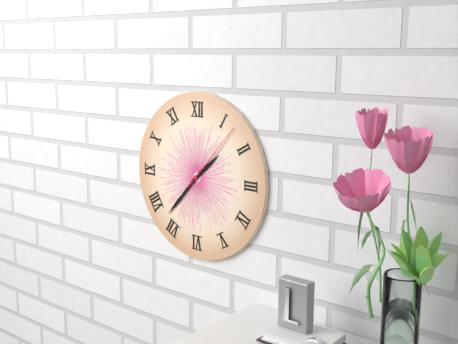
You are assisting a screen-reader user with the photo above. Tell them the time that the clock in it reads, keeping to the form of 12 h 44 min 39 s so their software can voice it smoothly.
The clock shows 1 h 37 min 07 s
